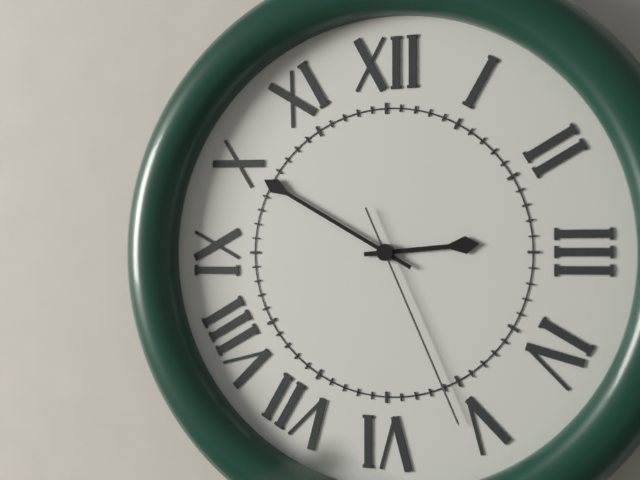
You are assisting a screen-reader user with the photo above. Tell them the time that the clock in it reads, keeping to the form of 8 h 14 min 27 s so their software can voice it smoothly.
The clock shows 2 h 50 min 26 s
